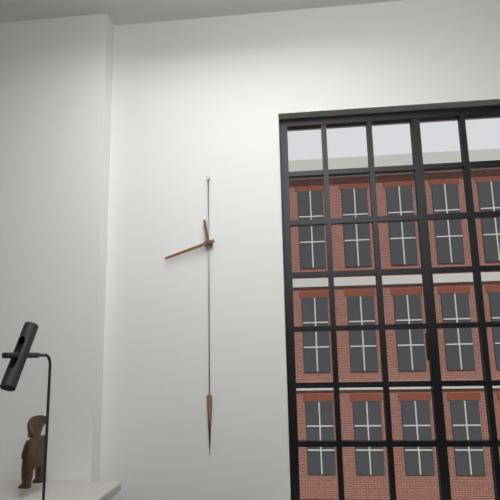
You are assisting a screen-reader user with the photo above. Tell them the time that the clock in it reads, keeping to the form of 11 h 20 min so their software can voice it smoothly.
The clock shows 11 h 42 min
